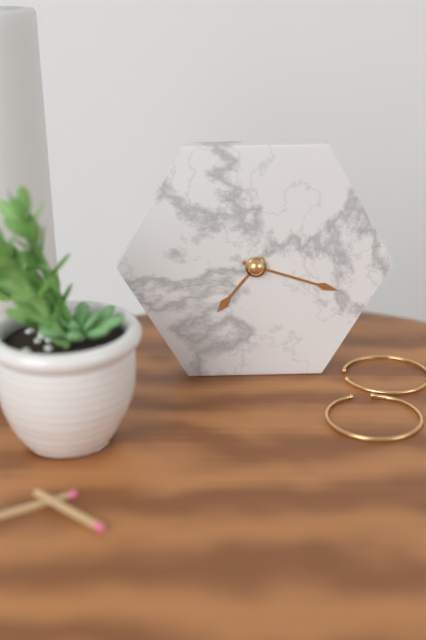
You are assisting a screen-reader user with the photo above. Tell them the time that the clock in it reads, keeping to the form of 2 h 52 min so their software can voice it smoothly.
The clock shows 7 h 18 min
